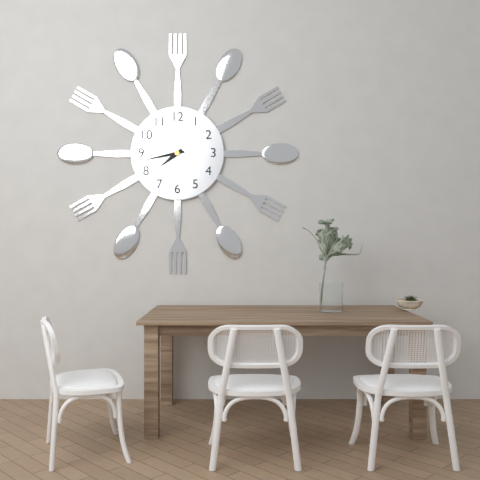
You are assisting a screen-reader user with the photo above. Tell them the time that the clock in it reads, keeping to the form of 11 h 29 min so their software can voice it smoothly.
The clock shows 7 h 43 min
